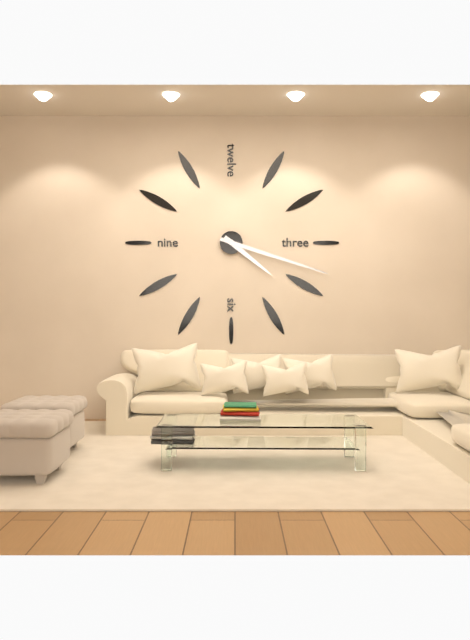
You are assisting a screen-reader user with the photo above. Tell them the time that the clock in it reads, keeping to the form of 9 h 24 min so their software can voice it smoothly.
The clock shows 4 h 18 min
